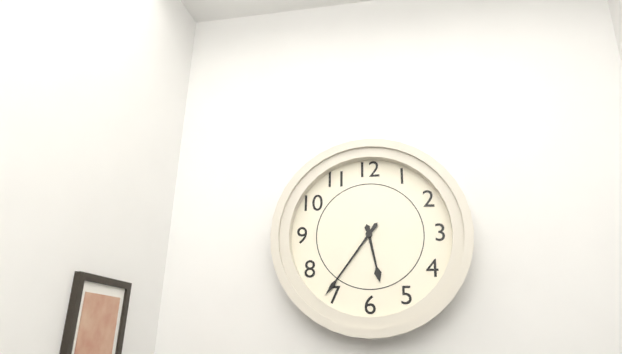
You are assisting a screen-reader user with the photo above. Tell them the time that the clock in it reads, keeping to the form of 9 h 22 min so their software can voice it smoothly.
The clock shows 5 h 36 min
